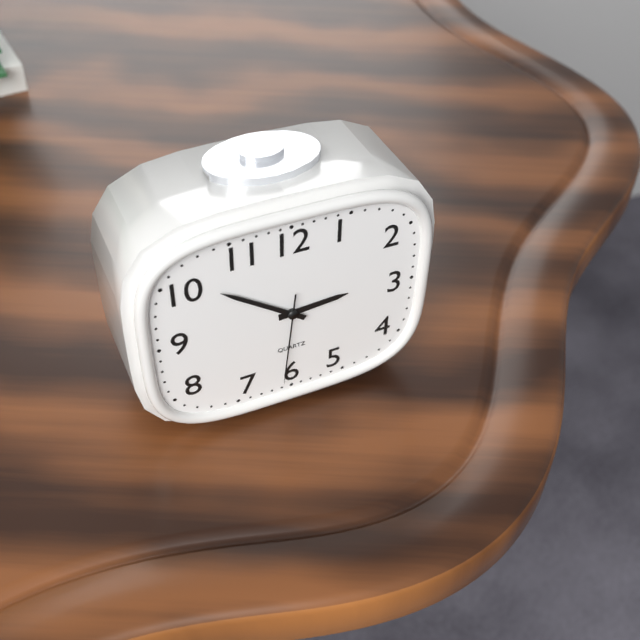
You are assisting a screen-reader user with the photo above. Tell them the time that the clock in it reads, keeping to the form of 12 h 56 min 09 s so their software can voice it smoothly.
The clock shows 2 h 51 min 31 s
